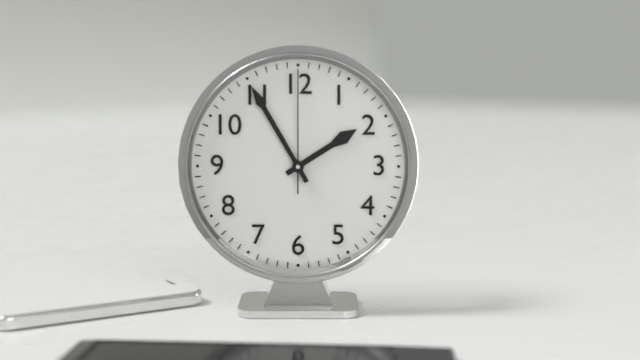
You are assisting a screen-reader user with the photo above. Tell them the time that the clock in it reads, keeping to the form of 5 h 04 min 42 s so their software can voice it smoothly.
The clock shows 1 h 55 min 00 s
